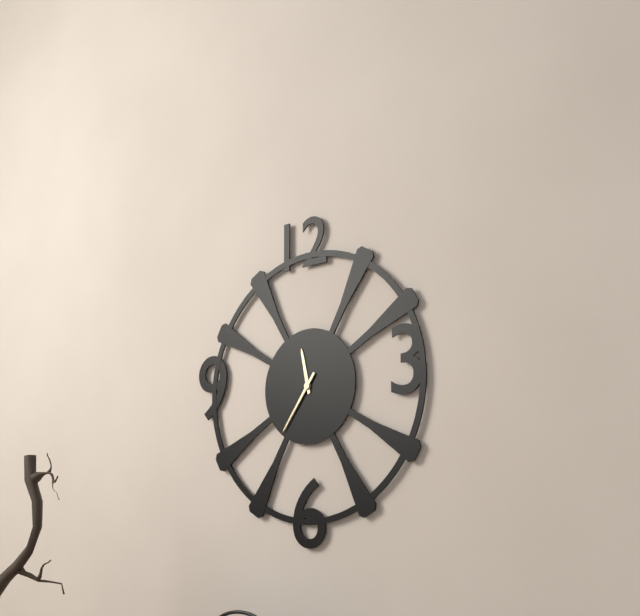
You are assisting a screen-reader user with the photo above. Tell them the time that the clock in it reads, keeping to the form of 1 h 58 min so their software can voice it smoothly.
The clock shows 11 h 36 min
